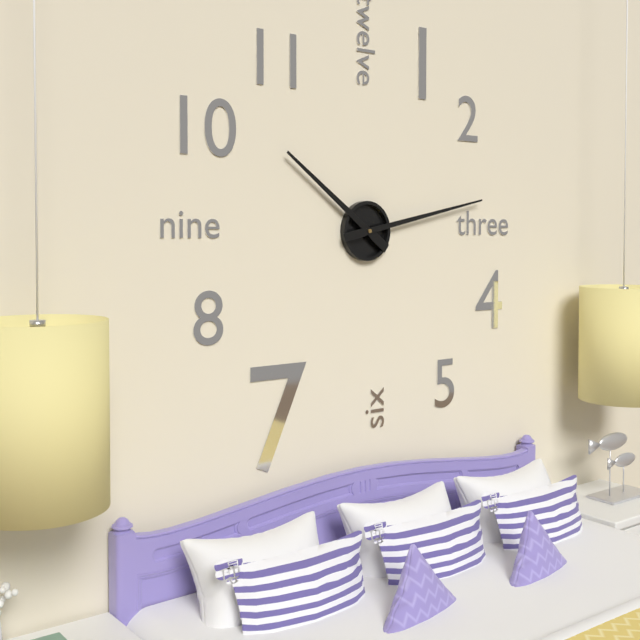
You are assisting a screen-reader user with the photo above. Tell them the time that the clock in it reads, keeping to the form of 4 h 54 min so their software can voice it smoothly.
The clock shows 10 h 13 min
